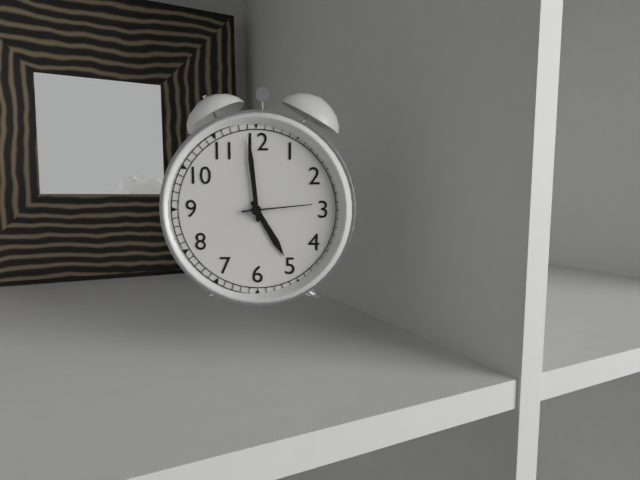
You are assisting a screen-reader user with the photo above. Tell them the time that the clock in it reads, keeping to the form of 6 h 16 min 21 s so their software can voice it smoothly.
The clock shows 4 h 59 min 14 s
